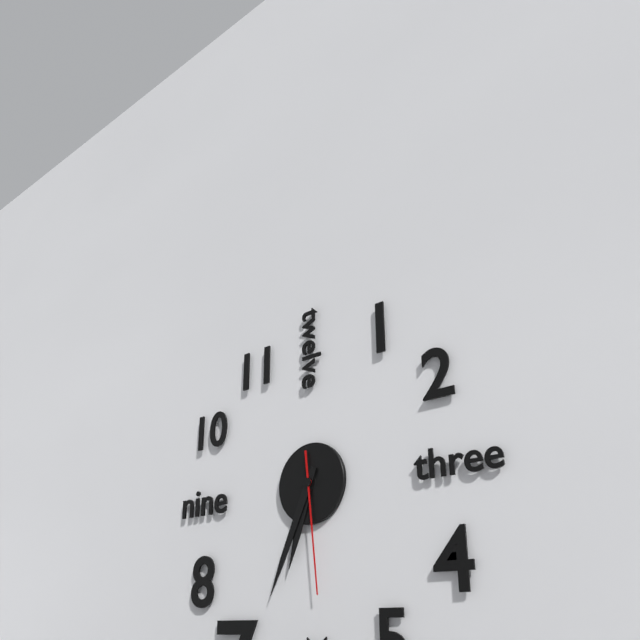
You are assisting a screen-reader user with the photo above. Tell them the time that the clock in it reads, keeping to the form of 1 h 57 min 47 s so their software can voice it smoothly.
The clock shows 6 h 34 min 29 s
